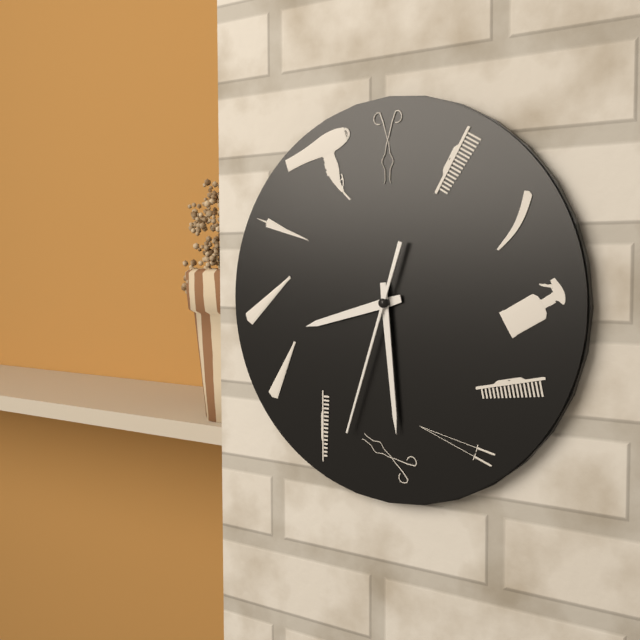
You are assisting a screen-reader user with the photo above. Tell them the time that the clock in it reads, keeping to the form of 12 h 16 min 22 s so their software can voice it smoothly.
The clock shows 8 h 29 min 33 s
